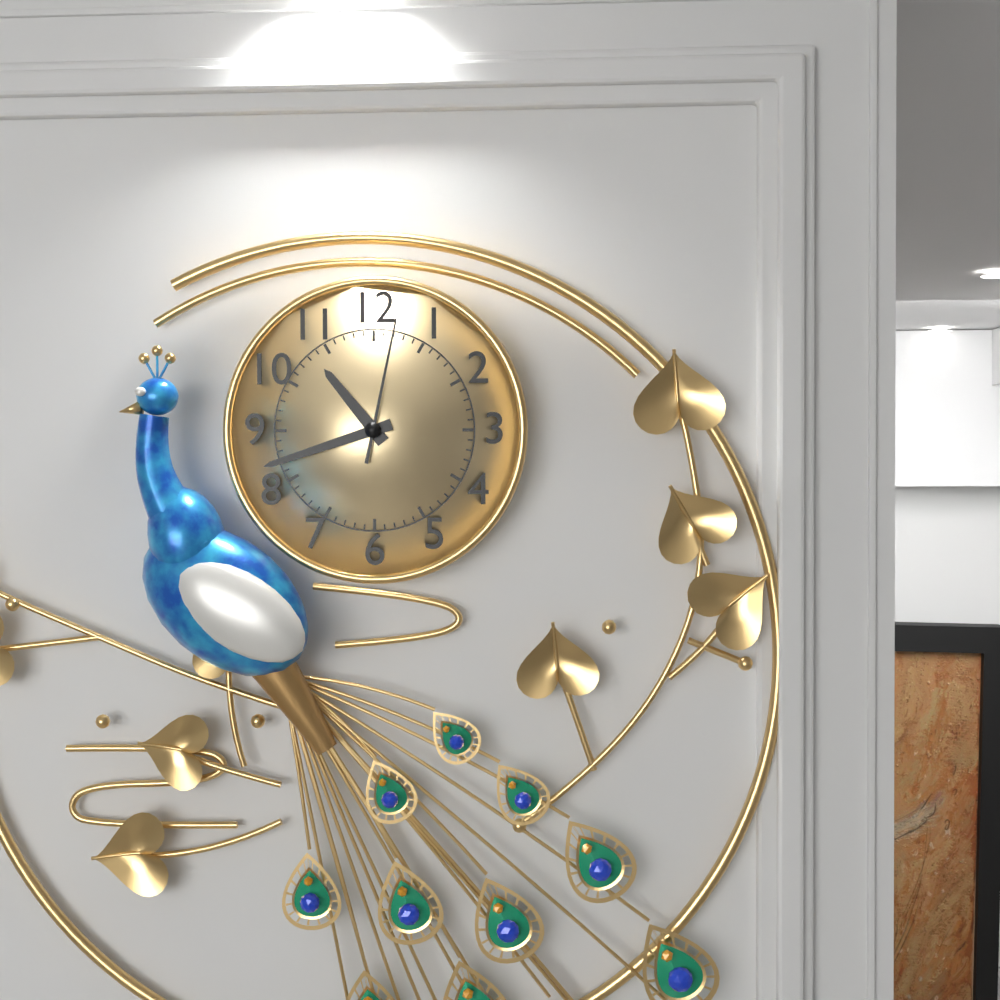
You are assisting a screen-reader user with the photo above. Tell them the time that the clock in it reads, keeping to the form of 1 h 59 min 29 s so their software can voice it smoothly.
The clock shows 10 h 42 min 02 s
